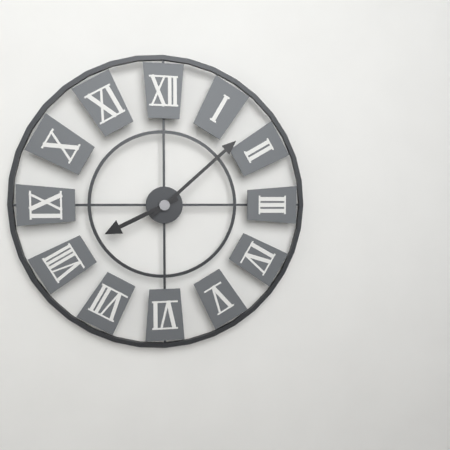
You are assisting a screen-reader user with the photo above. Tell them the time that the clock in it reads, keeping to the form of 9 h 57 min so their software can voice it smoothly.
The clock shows 8 h 08 min
